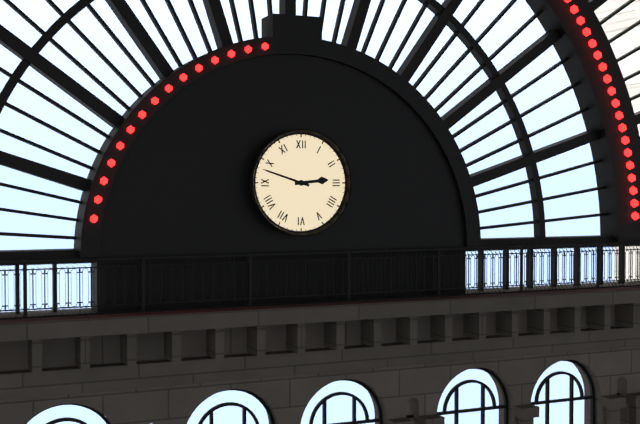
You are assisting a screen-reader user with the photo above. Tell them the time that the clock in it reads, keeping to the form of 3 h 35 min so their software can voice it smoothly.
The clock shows 2 h 48 min
